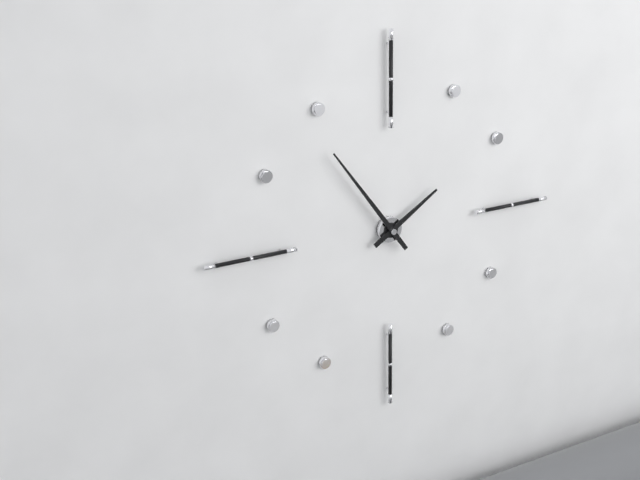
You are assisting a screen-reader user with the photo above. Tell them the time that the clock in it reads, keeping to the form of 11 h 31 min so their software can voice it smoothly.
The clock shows 1 h 54 min
